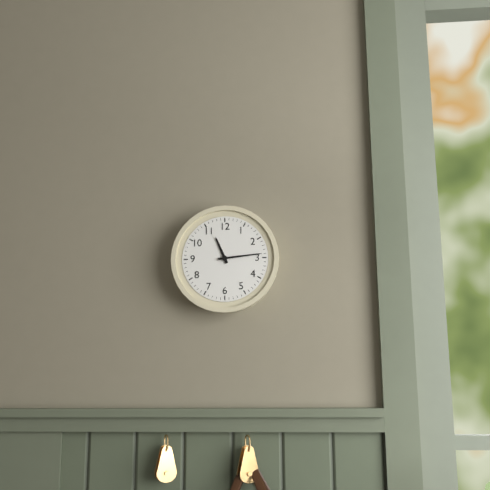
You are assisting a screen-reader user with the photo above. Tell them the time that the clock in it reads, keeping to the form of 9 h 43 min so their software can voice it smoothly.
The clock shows 11 h 14 min
